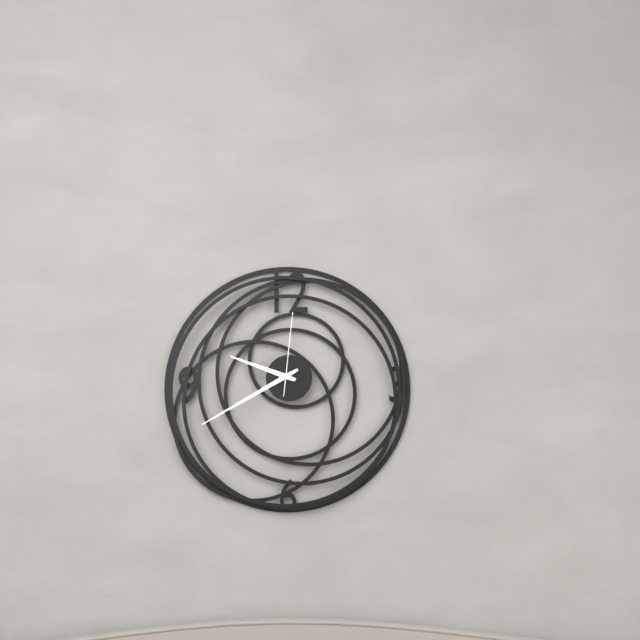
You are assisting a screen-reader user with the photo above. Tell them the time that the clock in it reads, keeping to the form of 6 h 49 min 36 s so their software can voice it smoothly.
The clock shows 9 h 40 min 01 s
